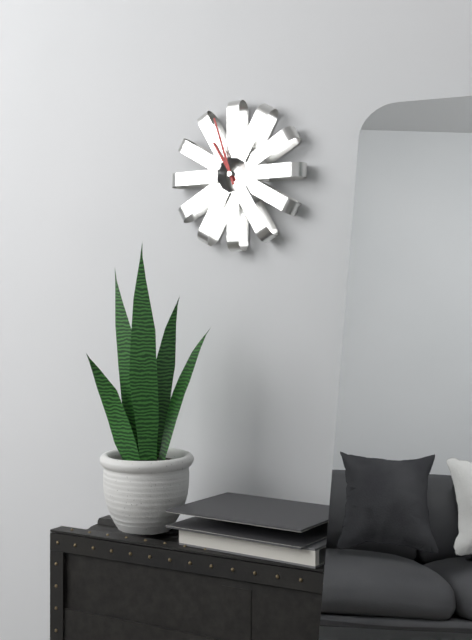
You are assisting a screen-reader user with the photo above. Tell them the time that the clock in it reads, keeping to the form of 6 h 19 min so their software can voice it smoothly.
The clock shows 10 h 57 min
